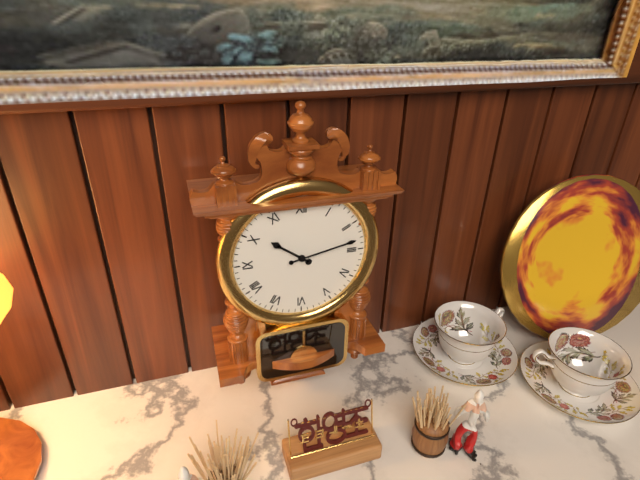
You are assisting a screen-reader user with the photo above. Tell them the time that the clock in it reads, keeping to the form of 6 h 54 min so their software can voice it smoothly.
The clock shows 10 h 13 min
